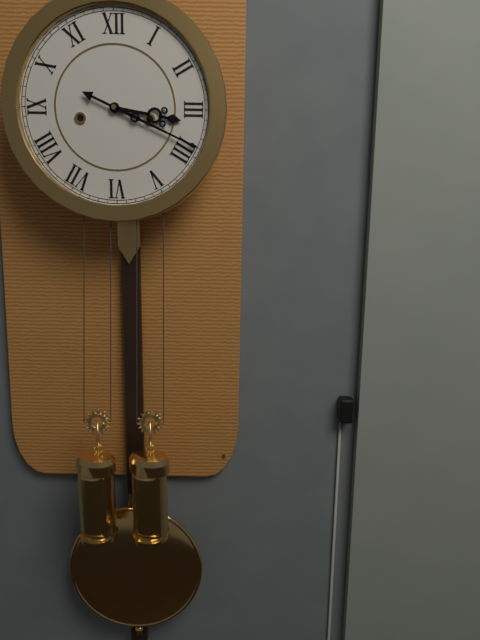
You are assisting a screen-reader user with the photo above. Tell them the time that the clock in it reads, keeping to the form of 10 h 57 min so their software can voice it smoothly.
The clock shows 3 h 19 min
